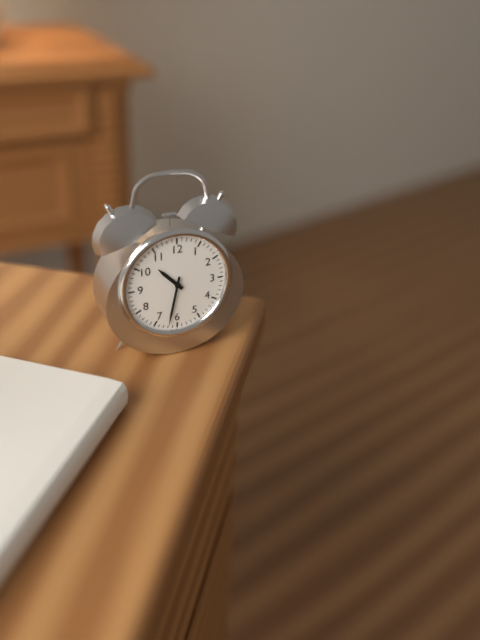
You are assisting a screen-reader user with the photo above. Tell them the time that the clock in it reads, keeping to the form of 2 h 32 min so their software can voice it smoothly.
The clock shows 10 h 32 min
